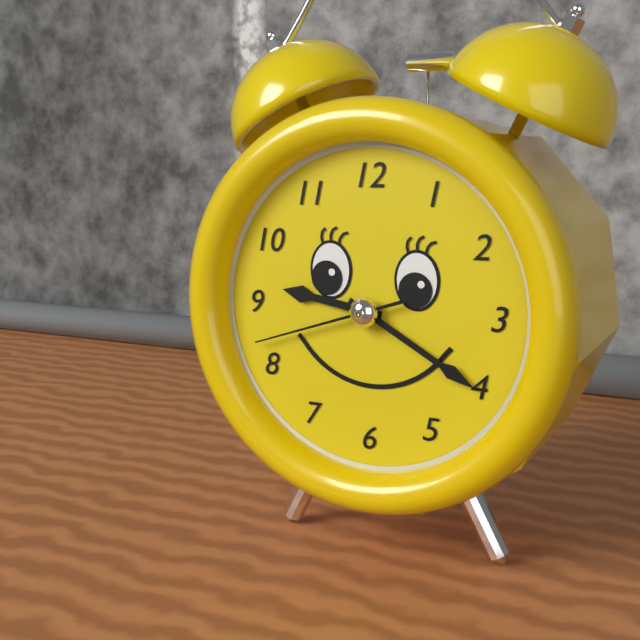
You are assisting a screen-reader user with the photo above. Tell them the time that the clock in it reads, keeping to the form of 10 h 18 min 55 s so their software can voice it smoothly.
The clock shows 9 h 20 min 42 s
